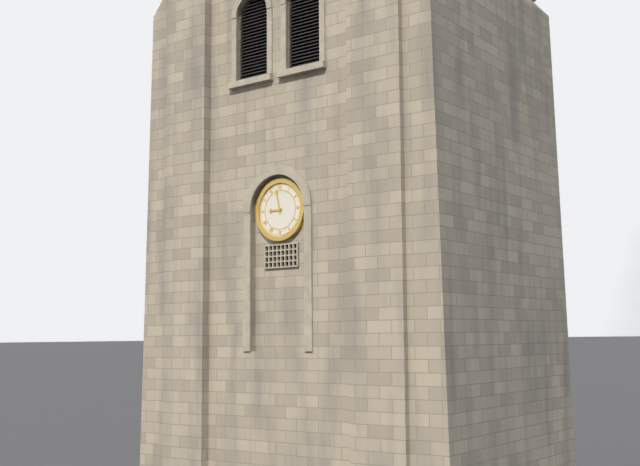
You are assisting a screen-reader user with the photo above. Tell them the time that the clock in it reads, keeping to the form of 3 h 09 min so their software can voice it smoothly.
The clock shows 8 h 58 min
